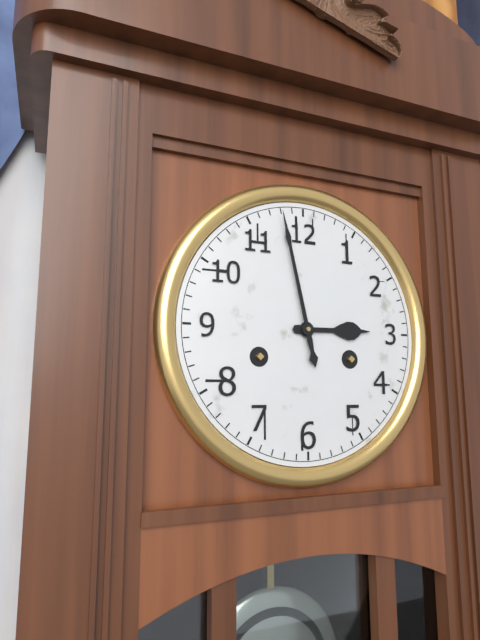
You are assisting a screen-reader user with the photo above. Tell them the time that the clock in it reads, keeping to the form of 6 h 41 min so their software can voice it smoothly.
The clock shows 2 h 58 min
